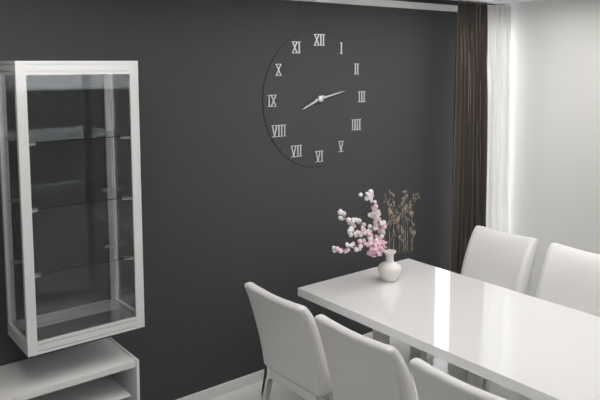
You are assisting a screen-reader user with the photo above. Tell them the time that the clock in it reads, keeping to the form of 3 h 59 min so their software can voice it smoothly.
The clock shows 8 h 13 min
